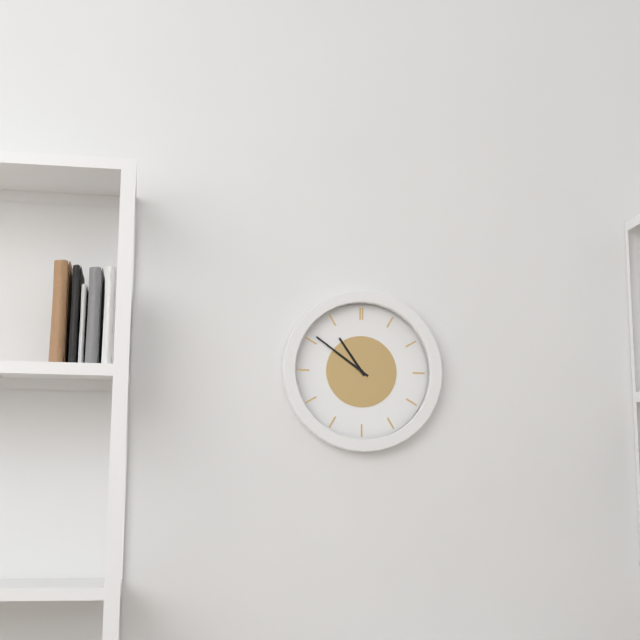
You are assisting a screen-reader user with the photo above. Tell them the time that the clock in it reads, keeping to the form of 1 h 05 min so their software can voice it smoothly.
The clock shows 10 h 51 min
